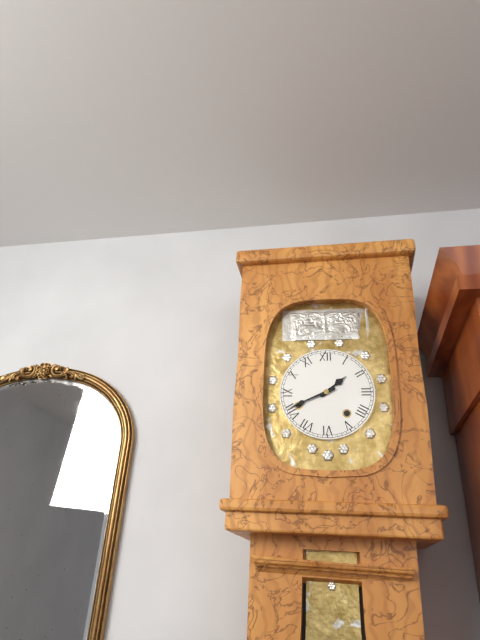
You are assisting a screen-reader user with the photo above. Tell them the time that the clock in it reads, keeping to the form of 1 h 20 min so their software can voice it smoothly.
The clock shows 1 h 41 min
